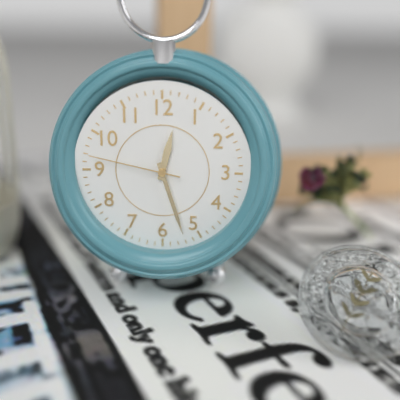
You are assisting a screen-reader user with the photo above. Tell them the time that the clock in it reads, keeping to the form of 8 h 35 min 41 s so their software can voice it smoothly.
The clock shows 12 h 27 min 47 s
